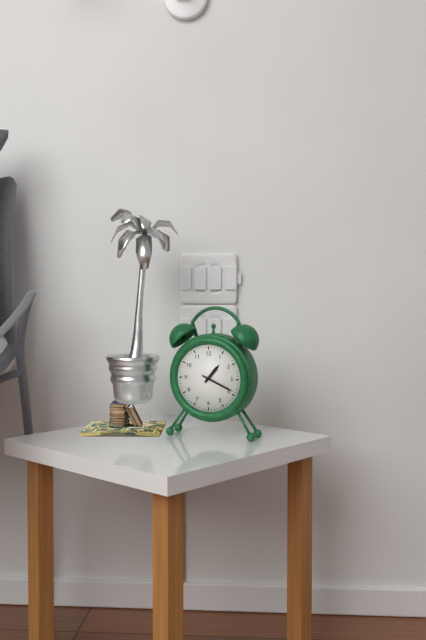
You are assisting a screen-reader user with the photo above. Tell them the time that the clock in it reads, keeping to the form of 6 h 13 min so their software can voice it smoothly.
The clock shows 1 h 19 min
